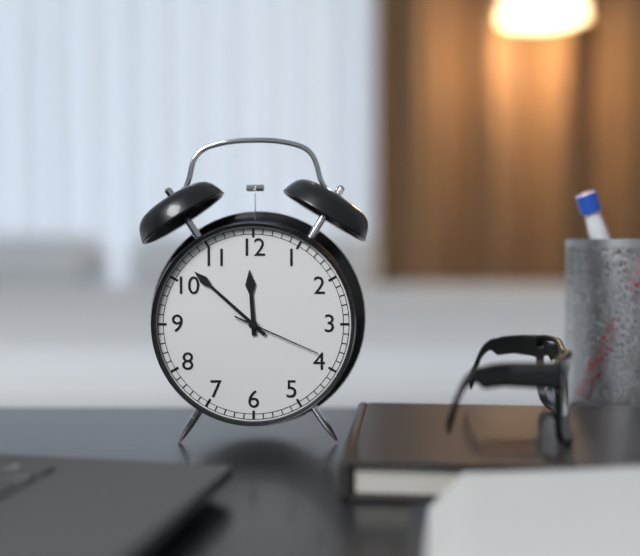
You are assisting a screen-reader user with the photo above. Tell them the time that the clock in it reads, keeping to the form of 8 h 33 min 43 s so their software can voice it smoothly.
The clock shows 11 h 52 min 19 s
